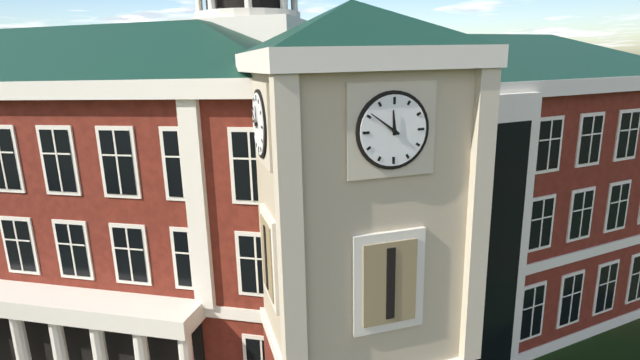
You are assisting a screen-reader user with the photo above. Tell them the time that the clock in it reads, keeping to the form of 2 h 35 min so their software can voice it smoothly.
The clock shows 11 h 51 min
